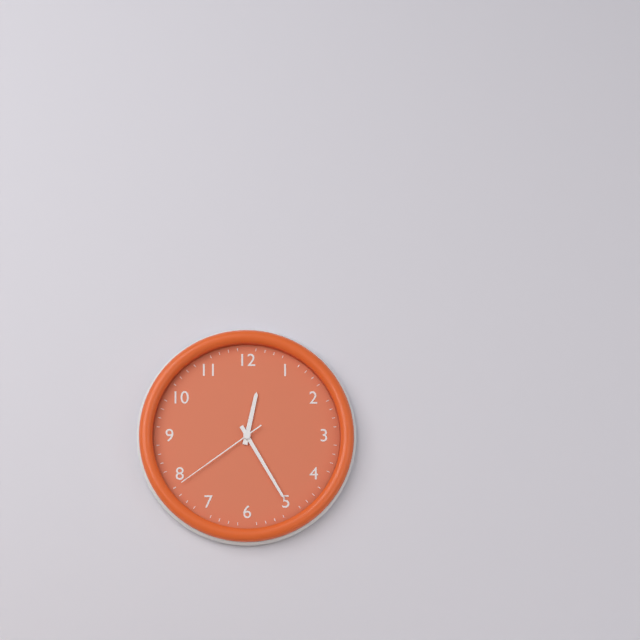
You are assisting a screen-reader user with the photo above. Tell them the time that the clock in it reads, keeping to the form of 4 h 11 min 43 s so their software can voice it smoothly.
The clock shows 12 h 25 min 39 s
